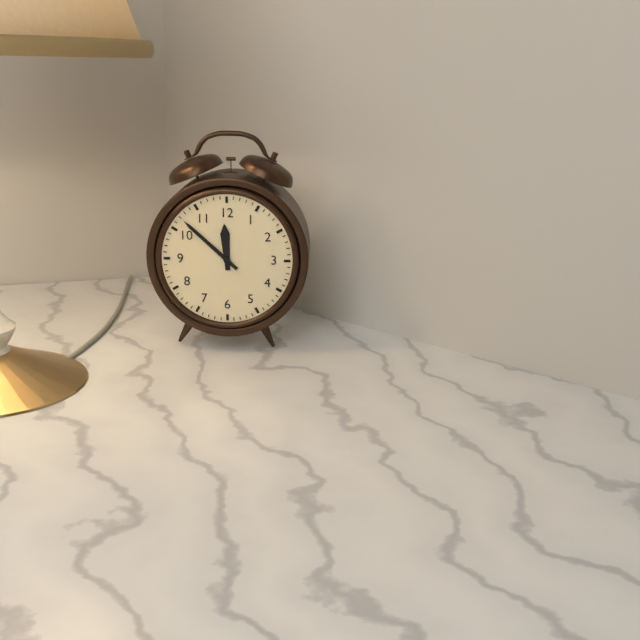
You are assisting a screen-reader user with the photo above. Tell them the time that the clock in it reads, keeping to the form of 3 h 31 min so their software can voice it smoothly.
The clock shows 11 h 52 min
